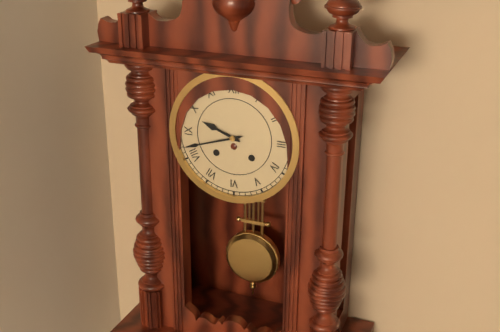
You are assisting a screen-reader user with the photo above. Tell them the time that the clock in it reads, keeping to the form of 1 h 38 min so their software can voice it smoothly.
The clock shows 9 h 42 min
